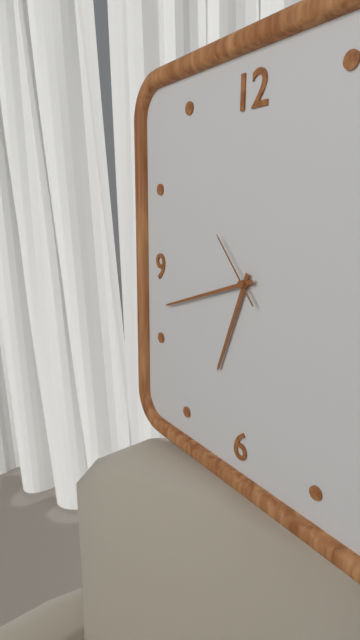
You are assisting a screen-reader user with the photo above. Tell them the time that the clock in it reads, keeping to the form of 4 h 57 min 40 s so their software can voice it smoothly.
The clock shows 6 h 42 min 53 s
